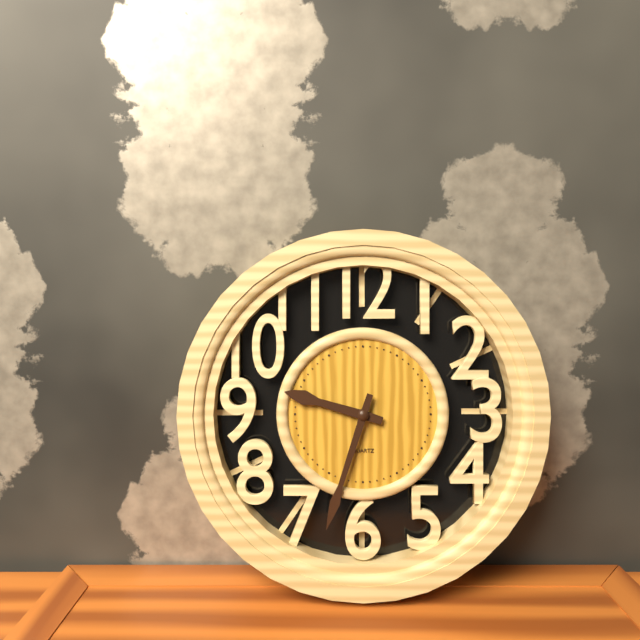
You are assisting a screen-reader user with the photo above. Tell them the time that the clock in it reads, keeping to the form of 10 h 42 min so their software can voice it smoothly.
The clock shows 9 h 33 min
